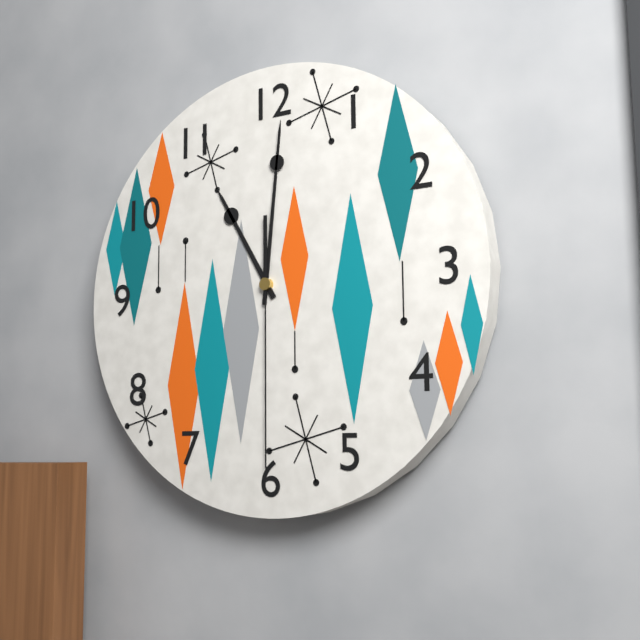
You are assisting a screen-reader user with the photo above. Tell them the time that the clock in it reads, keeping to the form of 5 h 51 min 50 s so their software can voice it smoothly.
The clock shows 11 h 01 min 30 s
